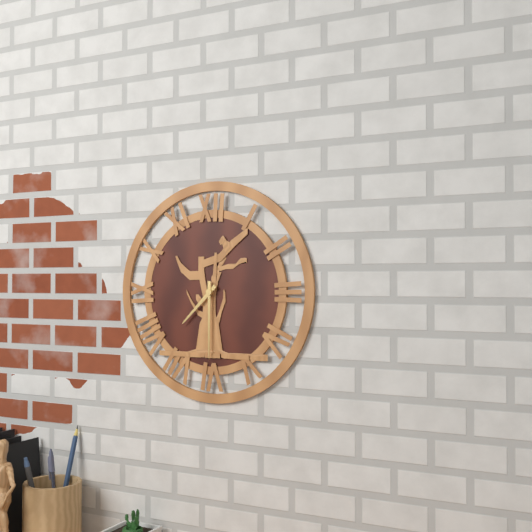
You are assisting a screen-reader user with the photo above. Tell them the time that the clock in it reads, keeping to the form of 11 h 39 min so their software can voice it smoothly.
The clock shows 7 h 30 min
